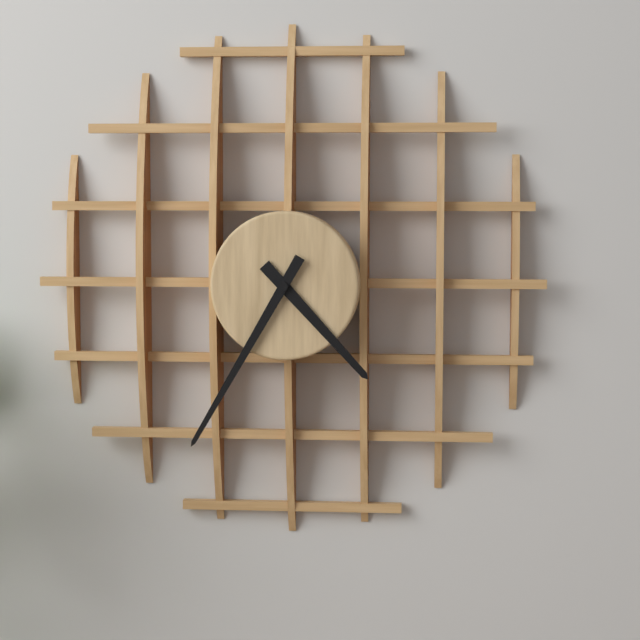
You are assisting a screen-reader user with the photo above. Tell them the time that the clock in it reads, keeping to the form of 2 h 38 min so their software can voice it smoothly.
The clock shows 4 h 35 min
